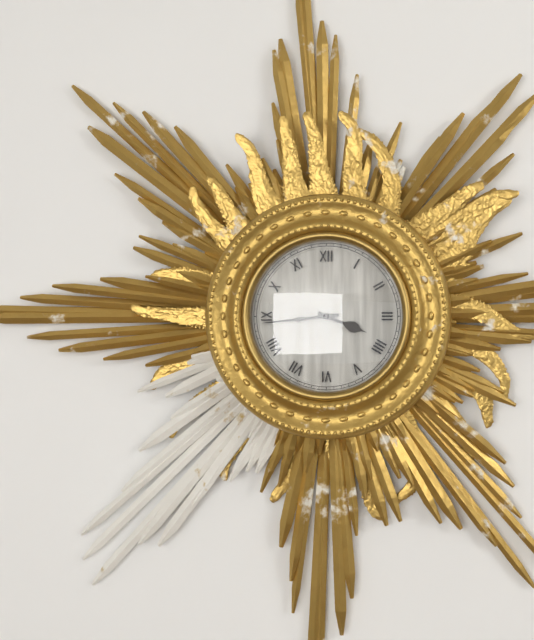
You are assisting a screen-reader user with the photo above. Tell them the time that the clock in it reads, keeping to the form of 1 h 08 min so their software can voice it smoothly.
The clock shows 3 h 44 min
